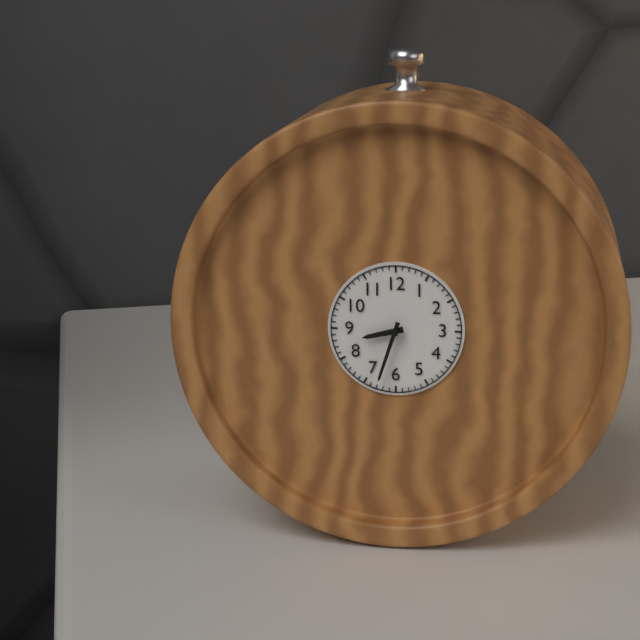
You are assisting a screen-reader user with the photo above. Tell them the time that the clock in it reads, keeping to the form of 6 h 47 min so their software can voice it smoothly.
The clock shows 8 h 33 min
